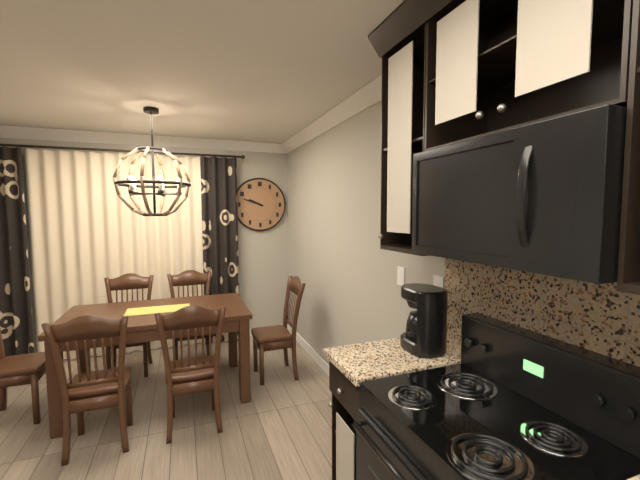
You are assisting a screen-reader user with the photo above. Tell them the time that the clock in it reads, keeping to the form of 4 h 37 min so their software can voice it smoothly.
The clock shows 9 h 48 min
